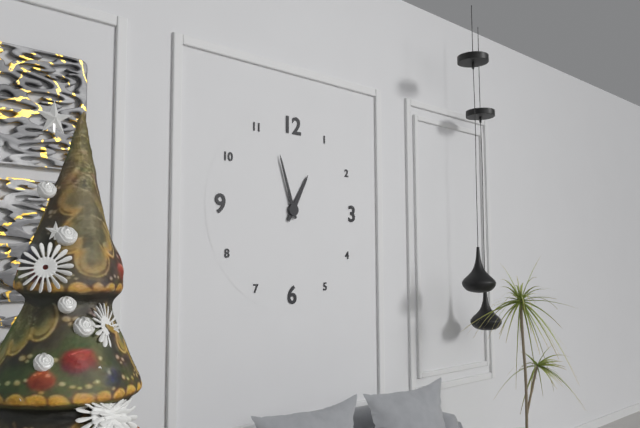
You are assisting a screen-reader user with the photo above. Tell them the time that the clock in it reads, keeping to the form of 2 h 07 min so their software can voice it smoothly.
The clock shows 12 h 57 min
